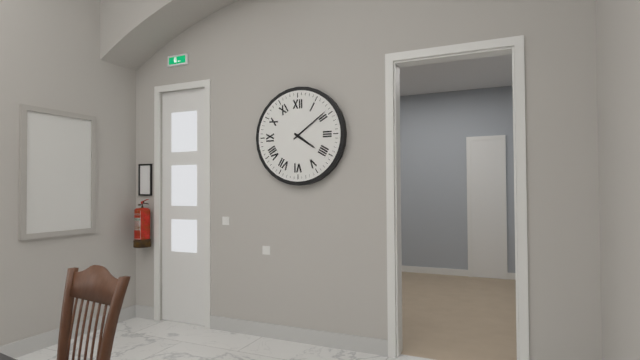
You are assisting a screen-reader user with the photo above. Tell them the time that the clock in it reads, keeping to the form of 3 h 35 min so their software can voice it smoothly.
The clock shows 4 h 09 min
